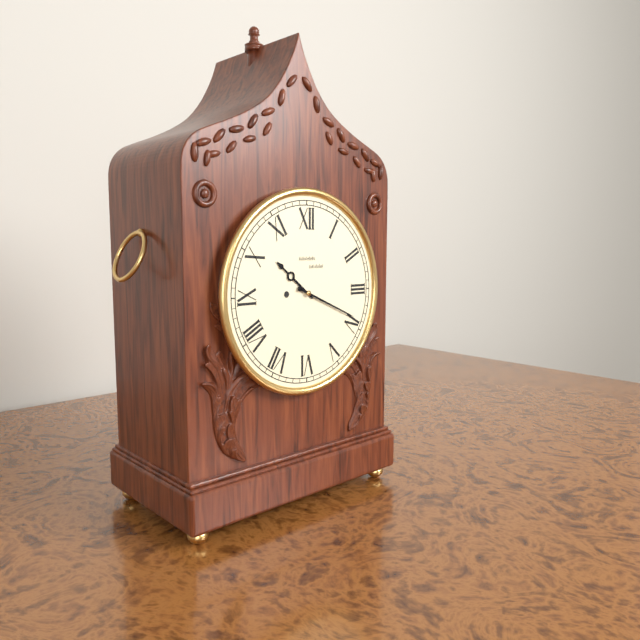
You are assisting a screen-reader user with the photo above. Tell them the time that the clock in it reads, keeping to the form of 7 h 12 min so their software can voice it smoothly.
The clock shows 10 h 19 min
